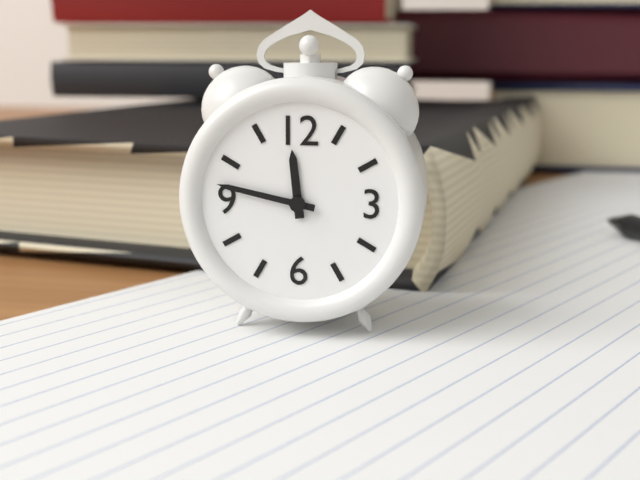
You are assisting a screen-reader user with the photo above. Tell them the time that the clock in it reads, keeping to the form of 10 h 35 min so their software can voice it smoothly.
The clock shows 11 h 47 min
